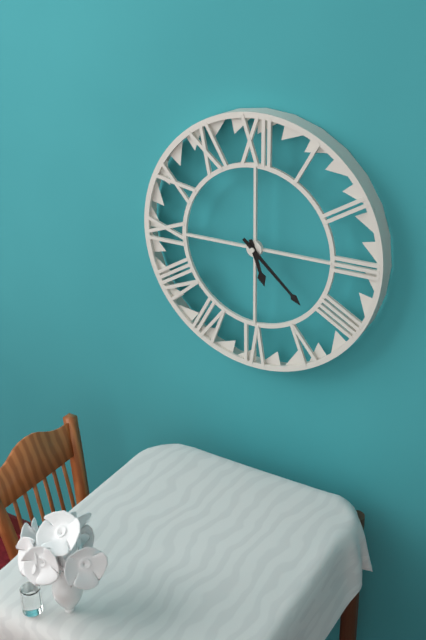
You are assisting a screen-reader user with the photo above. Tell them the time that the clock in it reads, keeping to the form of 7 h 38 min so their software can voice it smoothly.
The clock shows 5 h 22 min
